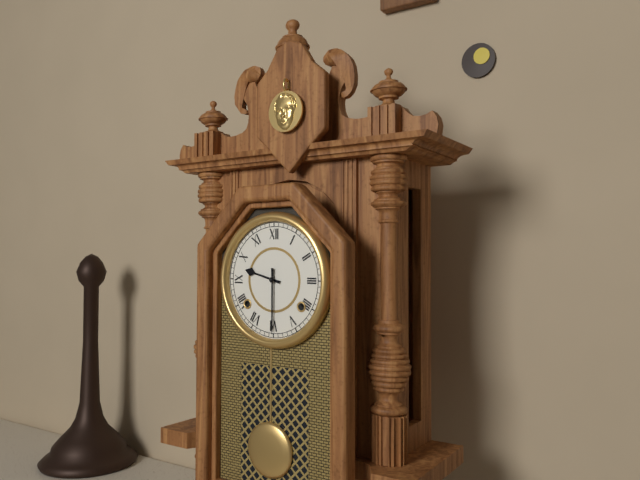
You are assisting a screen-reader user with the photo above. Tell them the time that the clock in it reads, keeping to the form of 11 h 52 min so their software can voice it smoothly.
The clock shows 9 h 30 min
